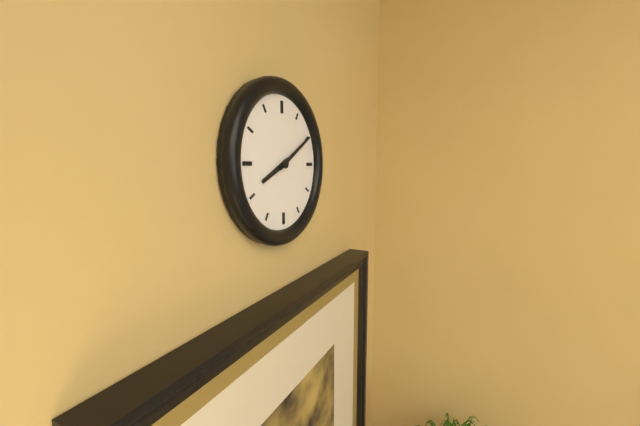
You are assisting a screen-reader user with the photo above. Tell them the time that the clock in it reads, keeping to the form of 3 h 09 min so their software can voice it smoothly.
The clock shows 8 h 10 min
